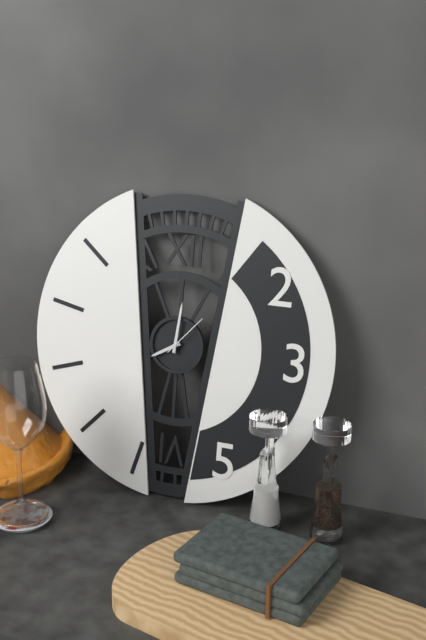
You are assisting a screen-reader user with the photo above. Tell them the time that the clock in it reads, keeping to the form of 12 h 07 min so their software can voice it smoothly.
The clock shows 8 h 01 min
